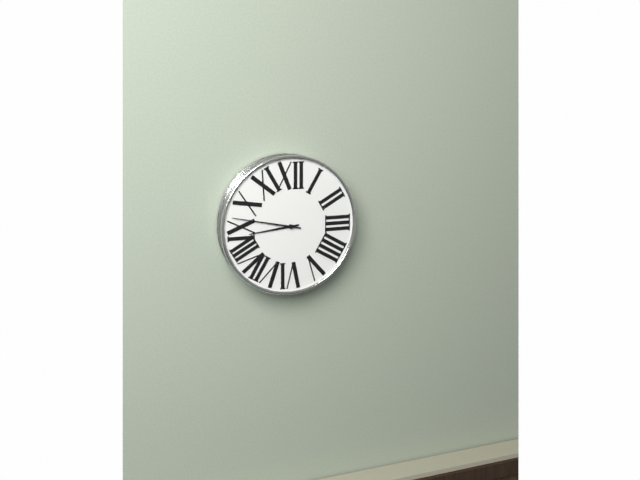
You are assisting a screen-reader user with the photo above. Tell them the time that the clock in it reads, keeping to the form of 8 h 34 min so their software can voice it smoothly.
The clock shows 8 h 47 min
